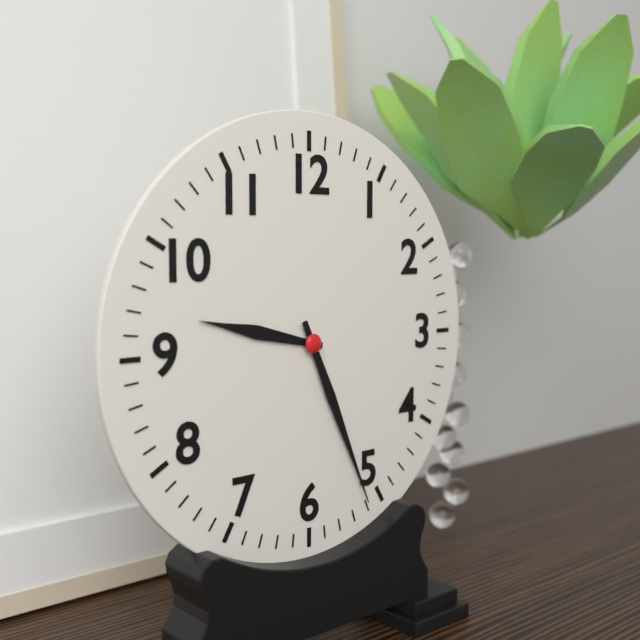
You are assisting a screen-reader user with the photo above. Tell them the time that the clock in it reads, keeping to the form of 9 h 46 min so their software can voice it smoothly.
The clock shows 9 h 26 min
